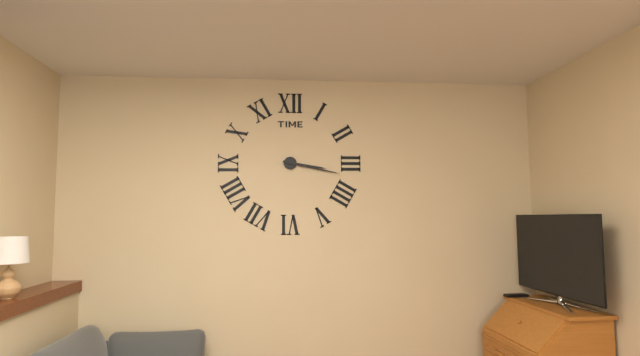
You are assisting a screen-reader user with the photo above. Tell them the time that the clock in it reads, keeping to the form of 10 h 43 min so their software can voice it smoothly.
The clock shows 3 h 17 min
